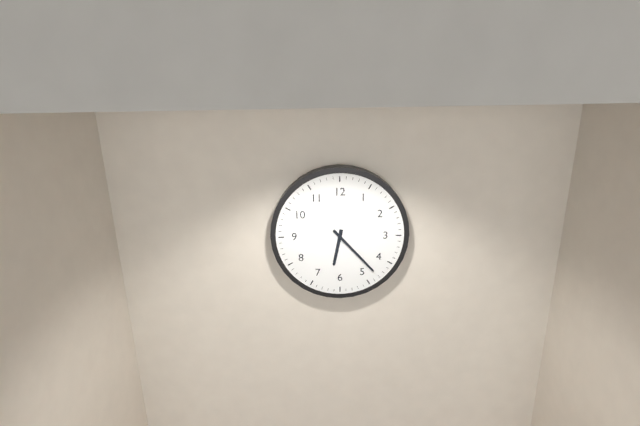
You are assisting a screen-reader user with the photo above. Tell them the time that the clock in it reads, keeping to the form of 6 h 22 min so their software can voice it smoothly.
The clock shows 6 h 23 min
